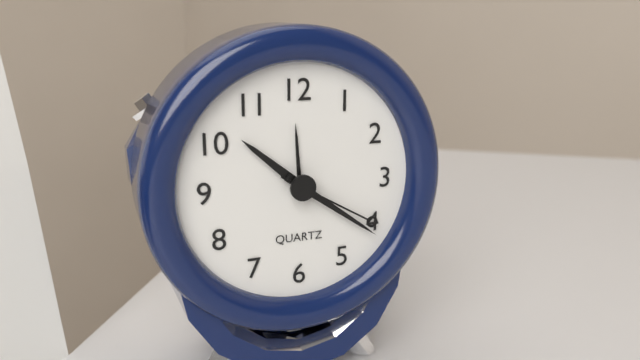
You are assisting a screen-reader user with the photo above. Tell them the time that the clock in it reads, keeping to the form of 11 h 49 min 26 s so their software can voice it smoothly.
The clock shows 10 h 21 min 20 s
